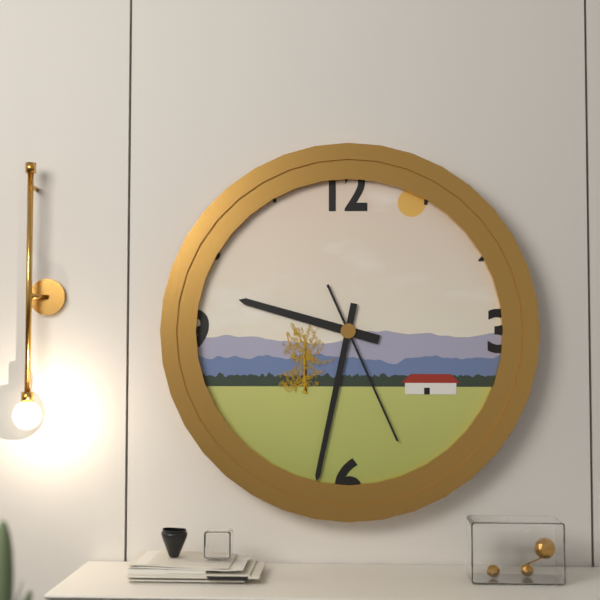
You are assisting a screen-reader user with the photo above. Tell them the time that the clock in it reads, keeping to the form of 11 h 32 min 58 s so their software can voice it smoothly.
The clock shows 9 h 32 min 26 s
